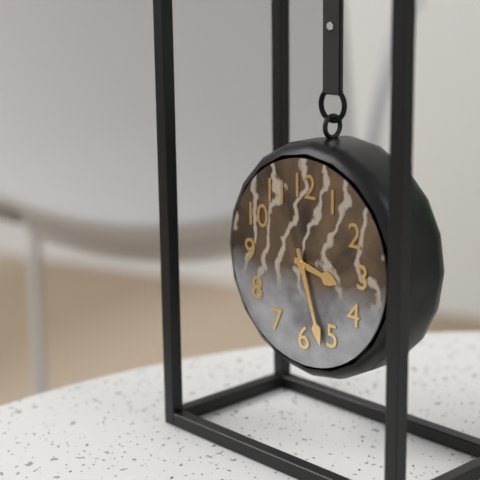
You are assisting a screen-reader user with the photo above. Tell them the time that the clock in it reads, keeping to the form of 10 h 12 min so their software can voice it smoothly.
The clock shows 3 h 27 min
